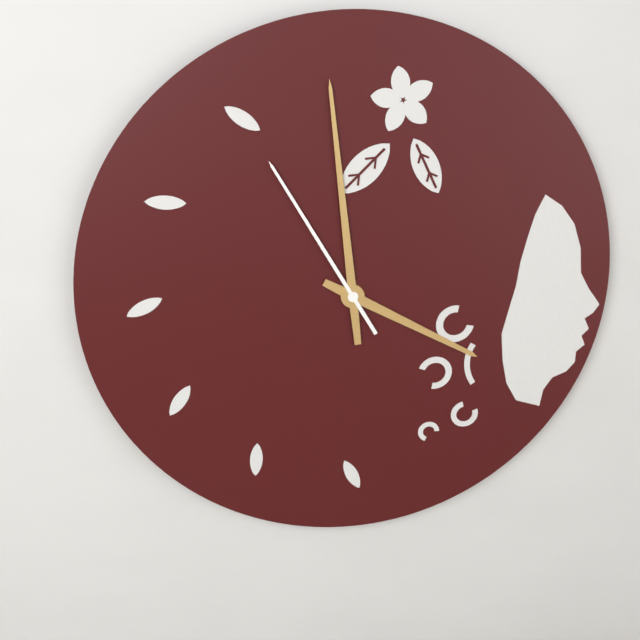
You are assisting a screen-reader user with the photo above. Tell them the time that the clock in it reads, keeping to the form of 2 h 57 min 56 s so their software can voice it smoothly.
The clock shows 3 h 59 min 55 s
